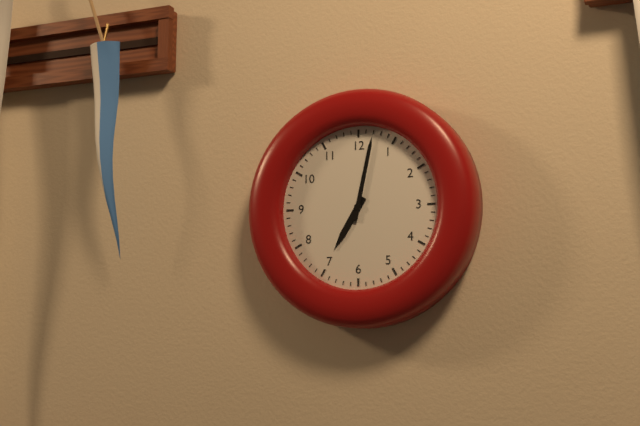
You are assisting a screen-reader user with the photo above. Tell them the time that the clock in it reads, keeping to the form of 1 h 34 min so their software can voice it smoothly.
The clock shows 7 h 02 min
